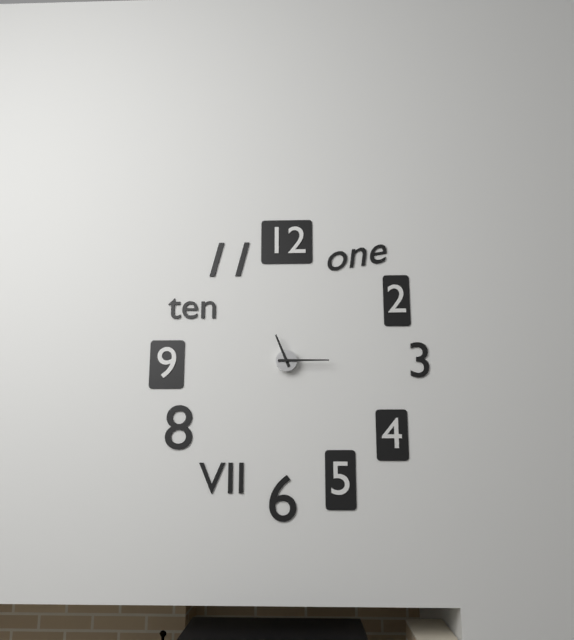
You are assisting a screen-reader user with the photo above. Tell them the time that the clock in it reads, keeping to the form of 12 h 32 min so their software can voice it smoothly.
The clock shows 11 h 15 min
